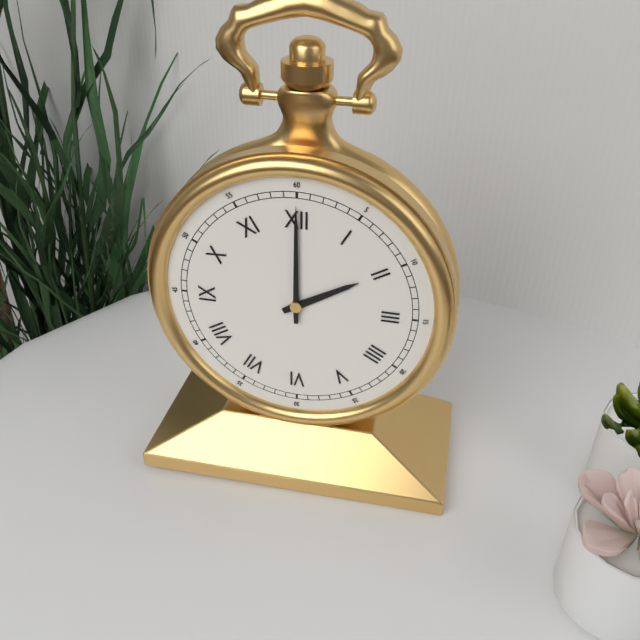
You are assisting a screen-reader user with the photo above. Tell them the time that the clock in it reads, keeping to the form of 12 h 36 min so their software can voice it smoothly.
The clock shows 2 h 00 min
